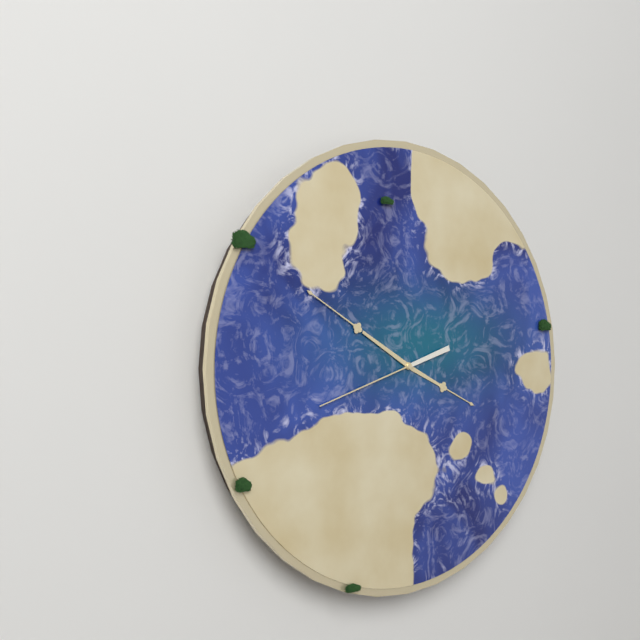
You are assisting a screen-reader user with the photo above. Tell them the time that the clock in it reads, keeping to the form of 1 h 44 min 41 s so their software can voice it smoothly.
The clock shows 3 h 50 min 42 s
